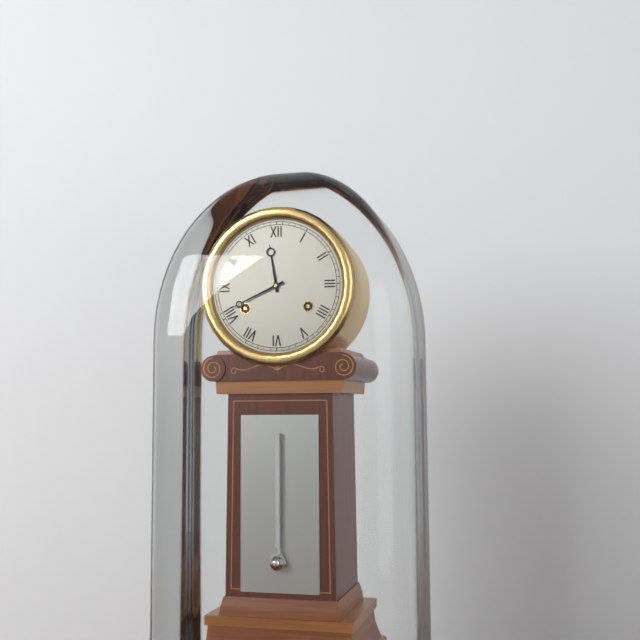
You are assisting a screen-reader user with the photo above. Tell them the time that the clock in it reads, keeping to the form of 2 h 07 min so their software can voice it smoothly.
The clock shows 11 h 41 min
